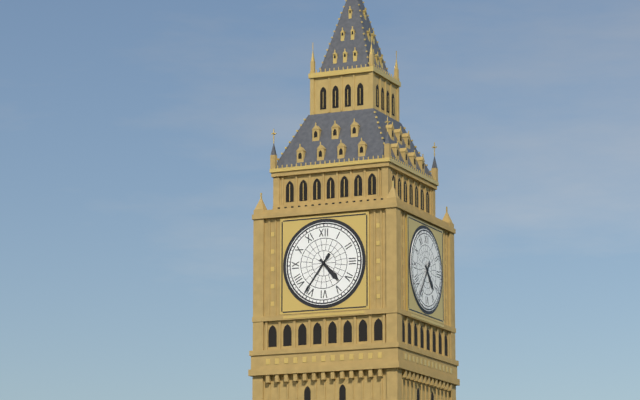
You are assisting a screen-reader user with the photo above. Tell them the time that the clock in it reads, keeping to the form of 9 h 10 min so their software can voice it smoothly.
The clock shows 4 h 36 min
